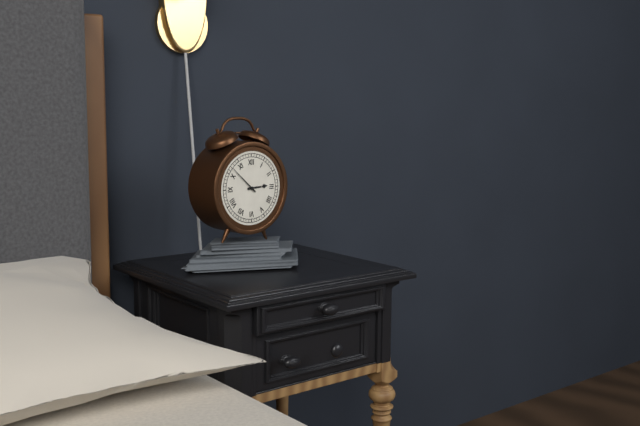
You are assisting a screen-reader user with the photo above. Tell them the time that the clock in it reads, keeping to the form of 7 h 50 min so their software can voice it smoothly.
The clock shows 2 h 52 min
